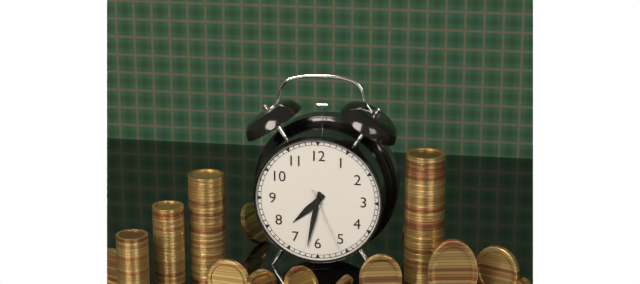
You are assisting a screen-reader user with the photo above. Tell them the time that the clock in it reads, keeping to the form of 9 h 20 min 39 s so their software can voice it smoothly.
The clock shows 7 h 32 min 26 s
